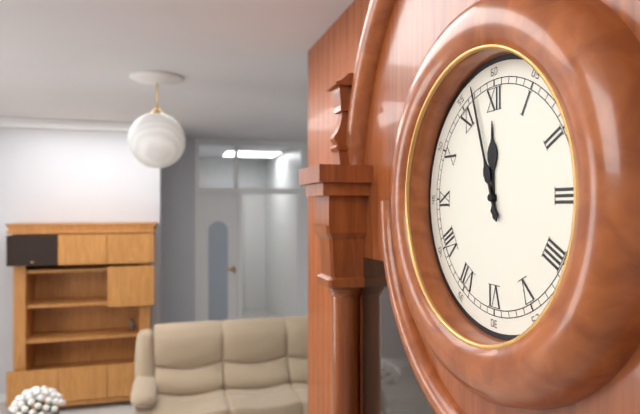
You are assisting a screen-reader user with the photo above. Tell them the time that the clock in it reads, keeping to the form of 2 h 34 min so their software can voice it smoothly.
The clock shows 11 h 57 min
